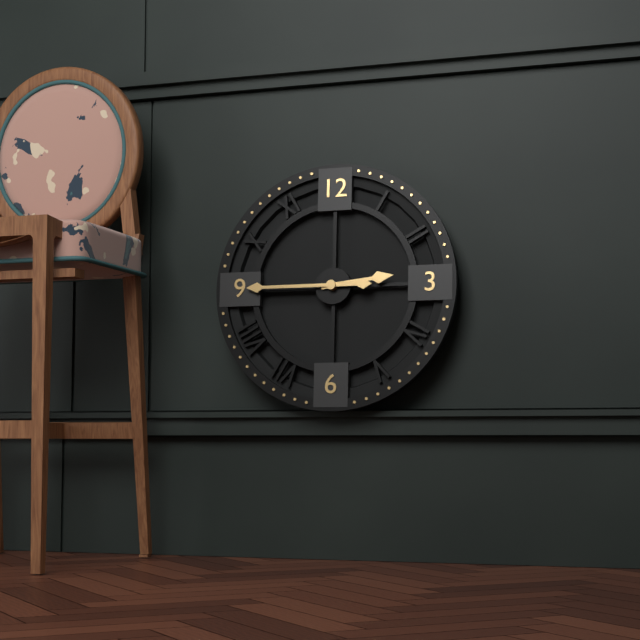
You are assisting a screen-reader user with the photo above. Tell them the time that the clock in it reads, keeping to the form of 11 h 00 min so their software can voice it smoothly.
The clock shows 2 h 45 min
